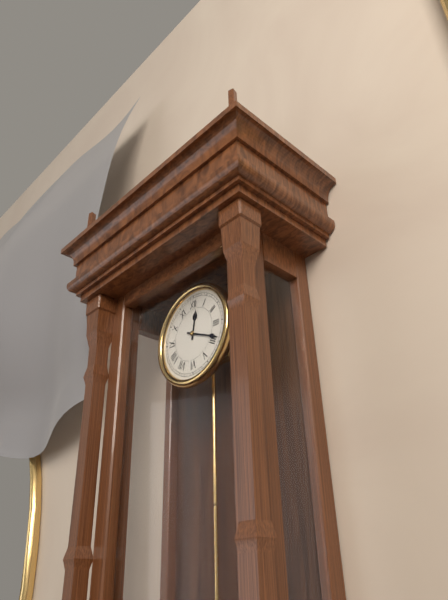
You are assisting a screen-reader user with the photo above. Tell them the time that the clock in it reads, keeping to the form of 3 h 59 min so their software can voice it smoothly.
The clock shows 12 h 19 min
